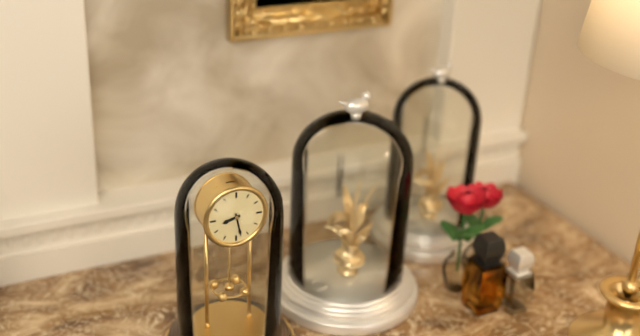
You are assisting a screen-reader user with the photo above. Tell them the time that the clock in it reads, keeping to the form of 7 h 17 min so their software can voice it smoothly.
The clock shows 8 h 28 min
